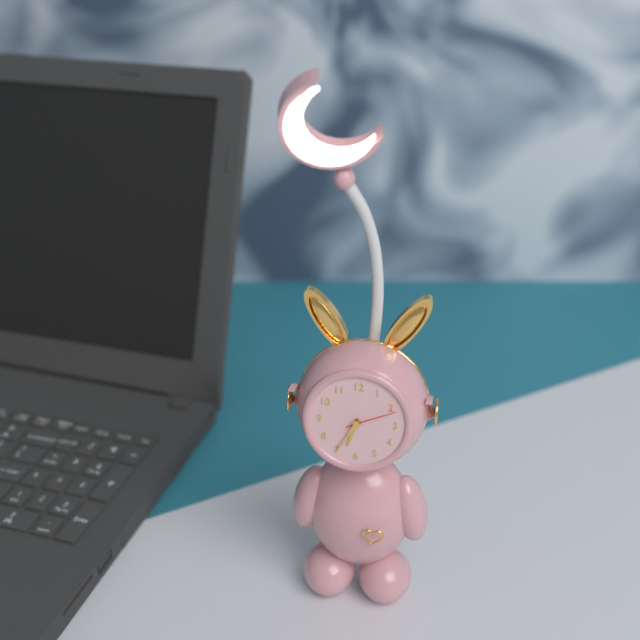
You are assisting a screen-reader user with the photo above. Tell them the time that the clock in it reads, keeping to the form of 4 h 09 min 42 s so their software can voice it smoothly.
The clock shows 6 h 35 min 11 s
